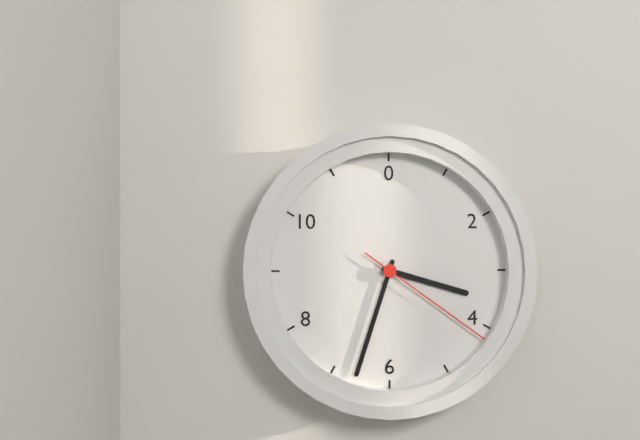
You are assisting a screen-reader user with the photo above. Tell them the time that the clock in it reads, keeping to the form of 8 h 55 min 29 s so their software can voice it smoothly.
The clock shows 3 h 33 min 21 s
